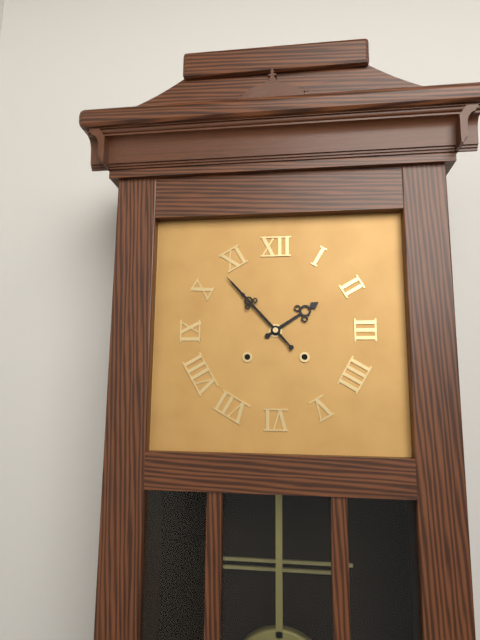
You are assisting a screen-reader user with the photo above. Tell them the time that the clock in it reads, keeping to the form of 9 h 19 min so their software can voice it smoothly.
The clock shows 1 h 53 min
